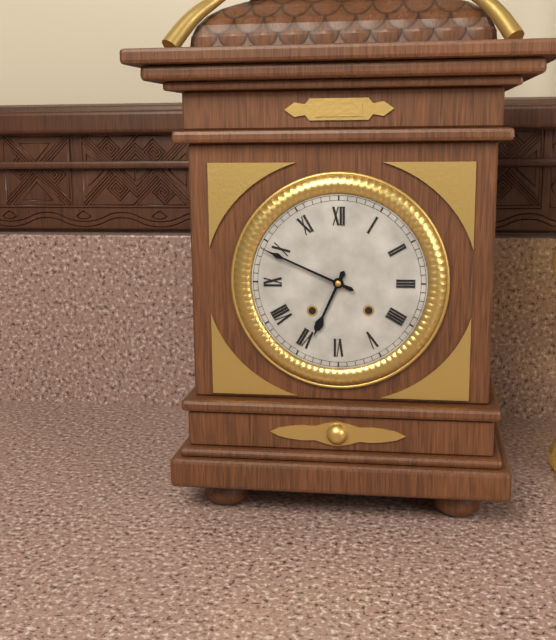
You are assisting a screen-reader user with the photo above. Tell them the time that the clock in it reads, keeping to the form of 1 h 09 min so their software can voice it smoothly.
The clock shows 6 h 49 min
